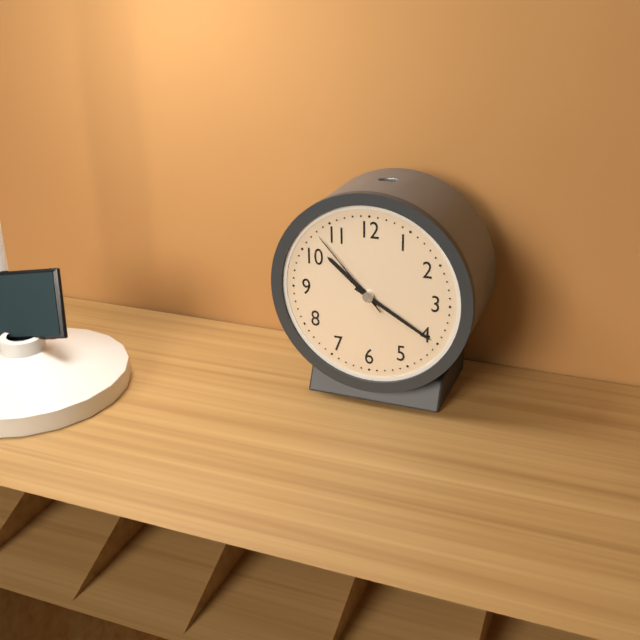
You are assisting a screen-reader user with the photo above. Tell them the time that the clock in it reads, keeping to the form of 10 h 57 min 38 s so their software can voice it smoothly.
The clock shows 10 h 20 min 53 s
